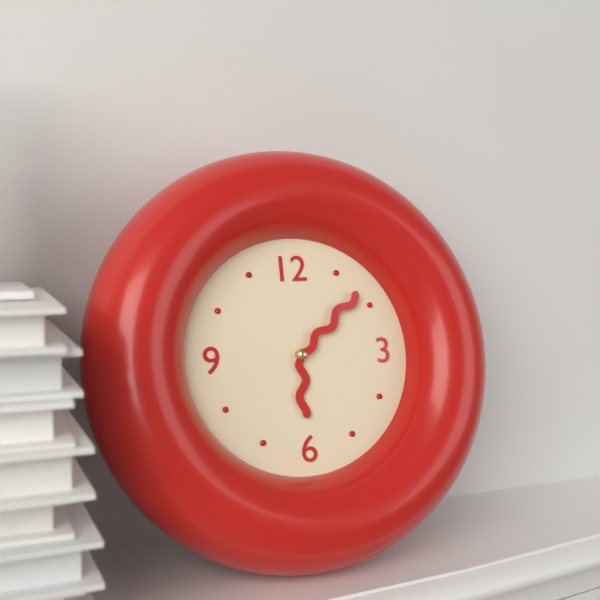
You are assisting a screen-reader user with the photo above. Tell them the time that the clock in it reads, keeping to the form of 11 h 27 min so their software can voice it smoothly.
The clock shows 6 h 08 min
